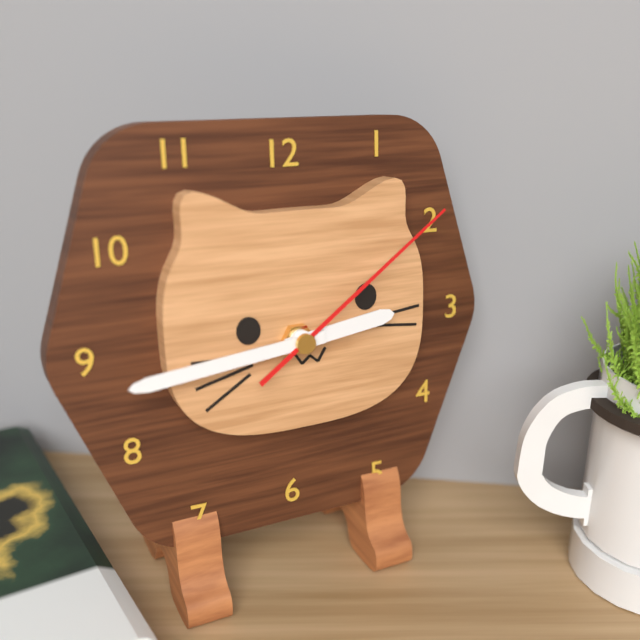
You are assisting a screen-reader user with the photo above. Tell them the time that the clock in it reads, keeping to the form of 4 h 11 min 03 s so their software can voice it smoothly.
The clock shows 2 h 44 min 09 s
